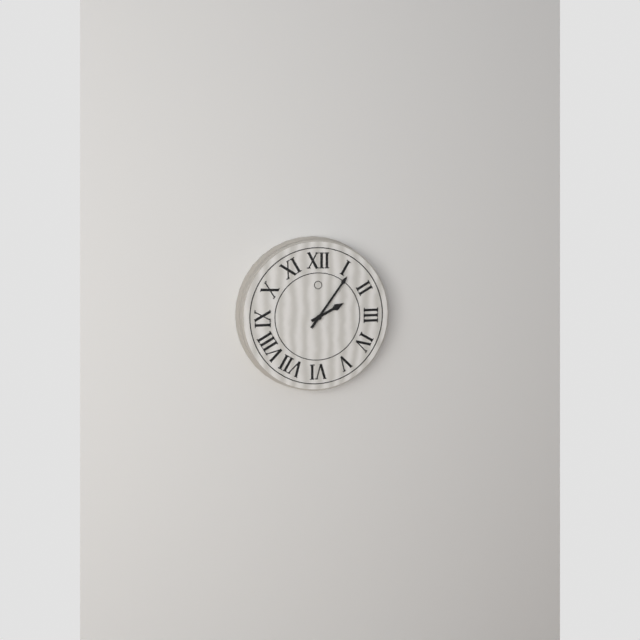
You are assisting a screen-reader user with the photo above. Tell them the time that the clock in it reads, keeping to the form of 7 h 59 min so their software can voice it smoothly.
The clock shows 2 h 06 min
